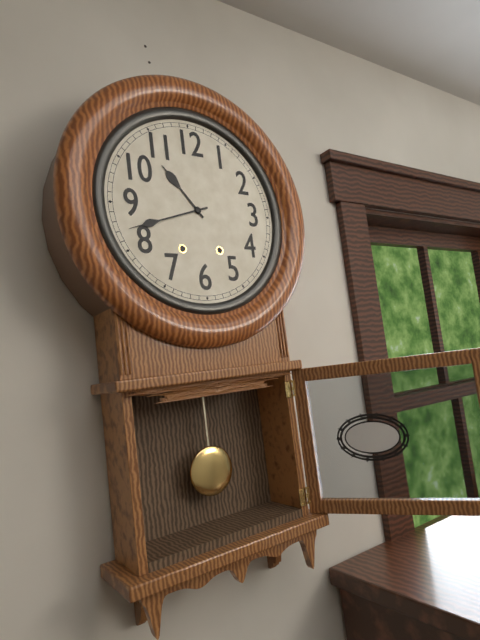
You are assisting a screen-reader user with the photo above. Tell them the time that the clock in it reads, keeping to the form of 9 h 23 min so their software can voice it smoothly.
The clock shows 10 h 42 min
